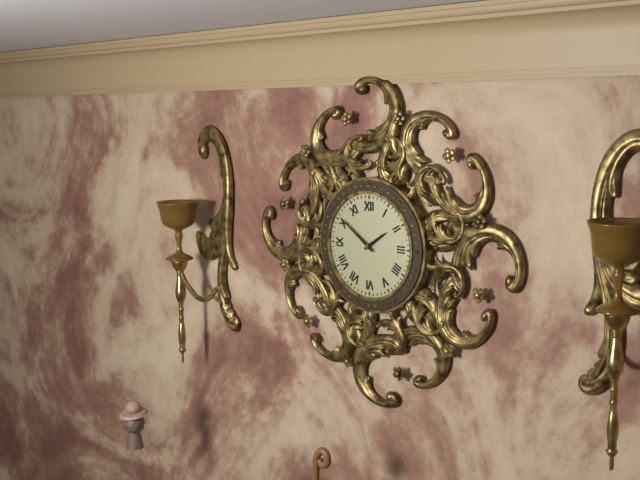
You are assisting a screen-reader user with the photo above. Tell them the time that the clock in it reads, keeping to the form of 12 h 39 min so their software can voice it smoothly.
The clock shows 1 h 51 min
